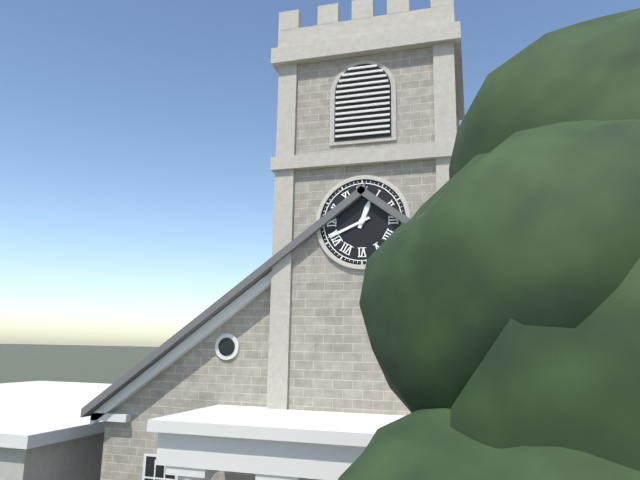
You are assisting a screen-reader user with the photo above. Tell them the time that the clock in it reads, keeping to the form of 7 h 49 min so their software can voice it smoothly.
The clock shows 12 h 41 min
